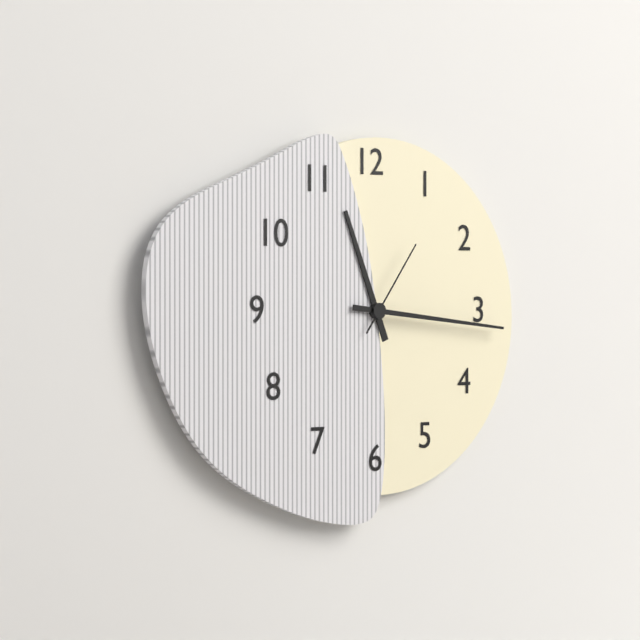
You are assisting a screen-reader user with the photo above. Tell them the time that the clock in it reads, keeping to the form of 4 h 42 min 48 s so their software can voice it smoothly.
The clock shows 11 h 16 min 06 s
